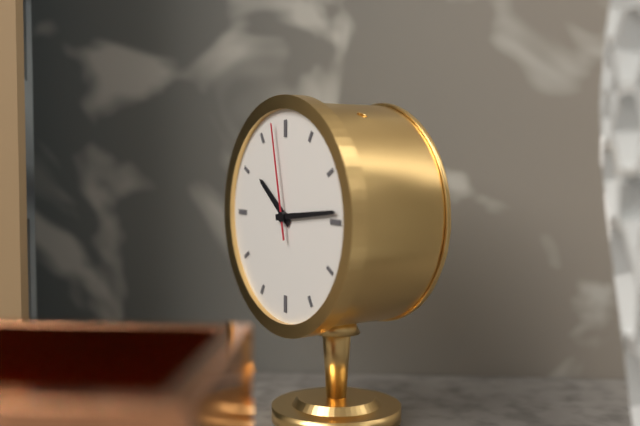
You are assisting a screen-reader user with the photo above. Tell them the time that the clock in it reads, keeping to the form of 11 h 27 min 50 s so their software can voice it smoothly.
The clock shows 10 h 14 min 58 s
